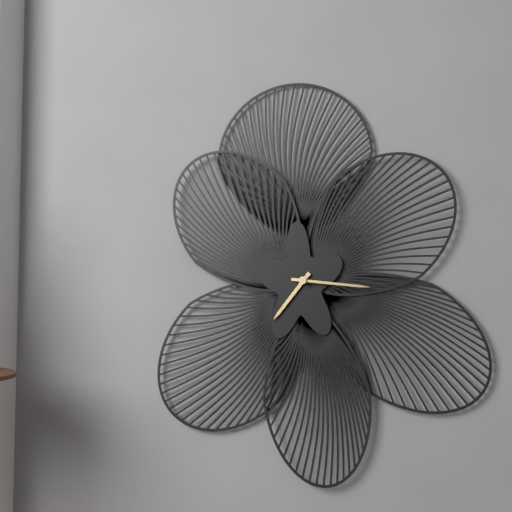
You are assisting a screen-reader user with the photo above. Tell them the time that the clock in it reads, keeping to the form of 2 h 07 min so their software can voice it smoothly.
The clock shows 7 h 16 min
